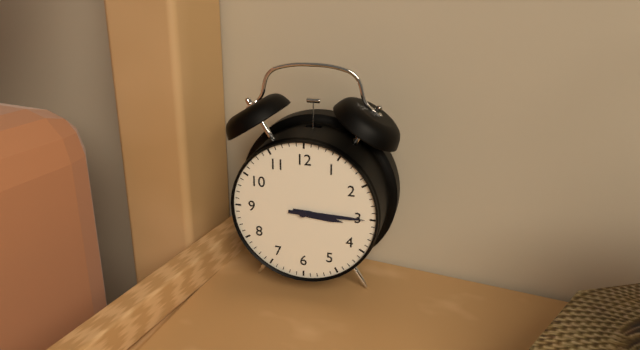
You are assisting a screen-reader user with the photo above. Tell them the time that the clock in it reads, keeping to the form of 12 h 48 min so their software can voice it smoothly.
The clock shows 3 h 15 min
